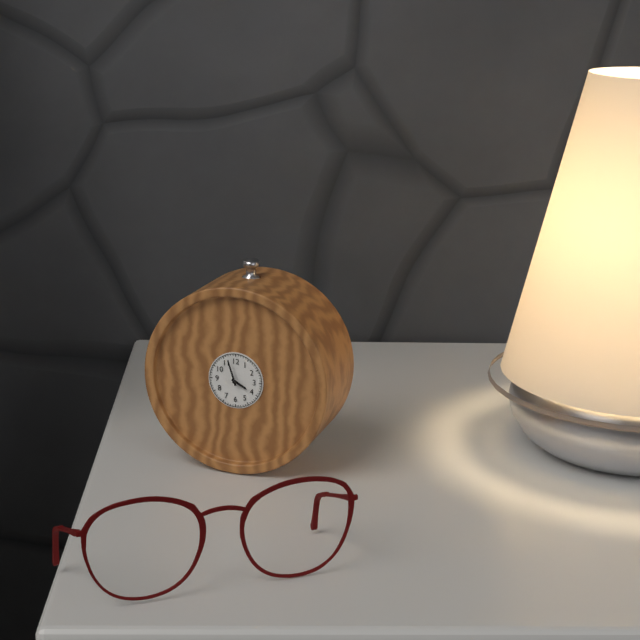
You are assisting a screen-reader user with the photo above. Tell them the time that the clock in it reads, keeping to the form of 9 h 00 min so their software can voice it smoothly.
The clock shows 3 h 57 min
